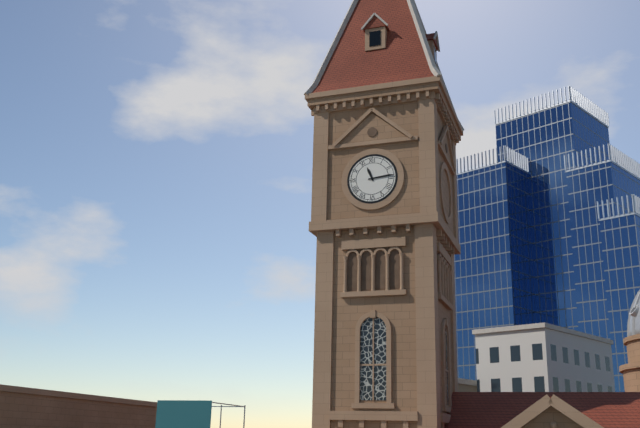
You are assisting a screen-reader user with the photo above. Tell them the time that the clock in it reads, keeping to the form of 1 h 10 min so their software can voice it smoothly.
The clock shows 11 h 14 min
